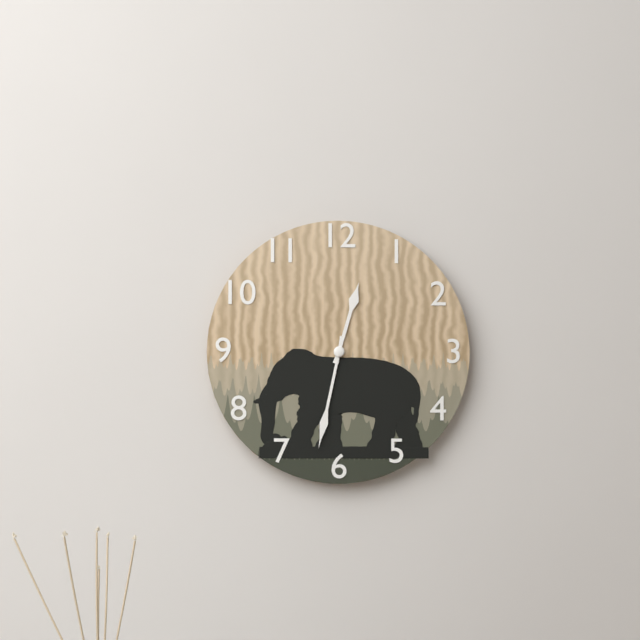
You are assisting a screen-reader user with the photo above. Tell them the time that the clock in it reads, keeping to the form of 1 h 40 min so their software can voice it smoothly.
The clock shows 12 h 32 min
